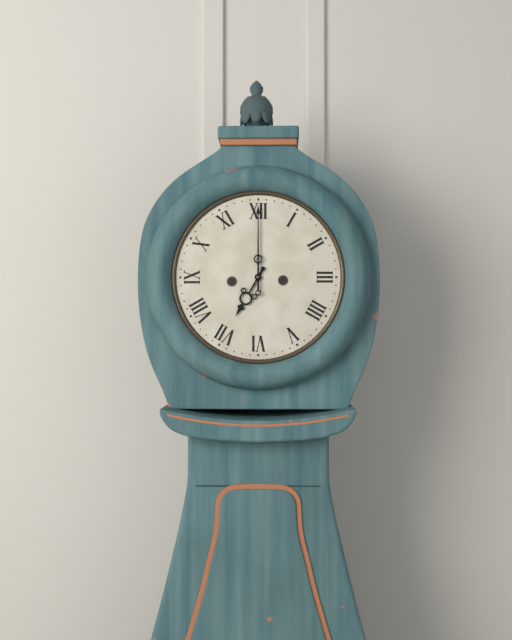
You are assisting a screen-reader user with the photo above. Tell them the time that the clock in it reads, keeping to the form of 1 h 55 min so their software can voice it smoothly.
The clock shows 7 h 00 min
